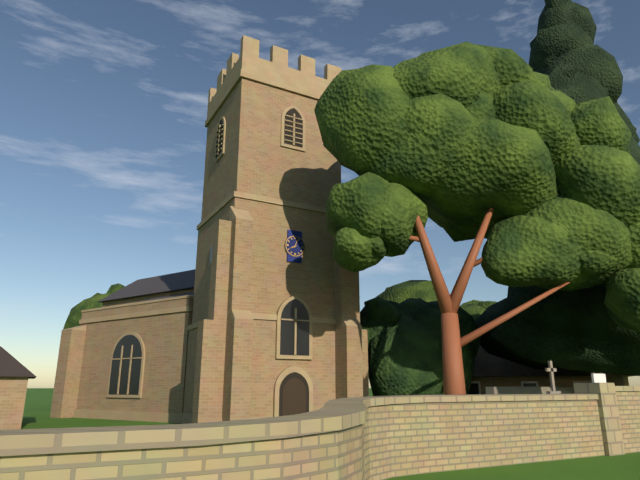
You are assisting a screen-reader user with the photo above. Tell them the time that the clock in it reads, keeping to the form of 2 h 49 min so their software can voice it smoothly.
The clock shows 8 h 03 min
